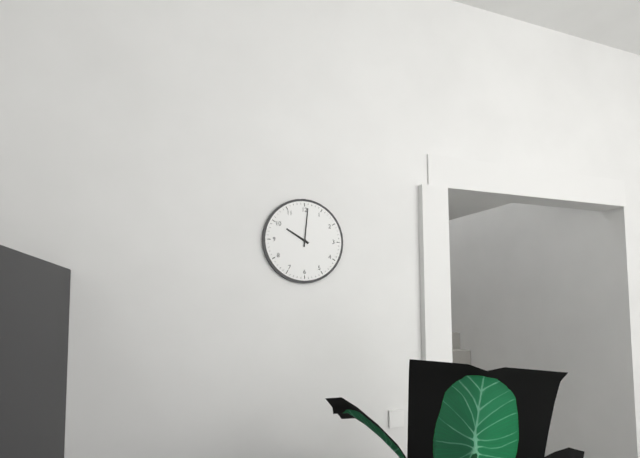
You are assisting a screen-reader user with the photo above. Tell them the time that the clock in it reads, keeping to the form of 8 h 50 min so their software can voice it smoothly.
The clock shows 10 h 01 min
